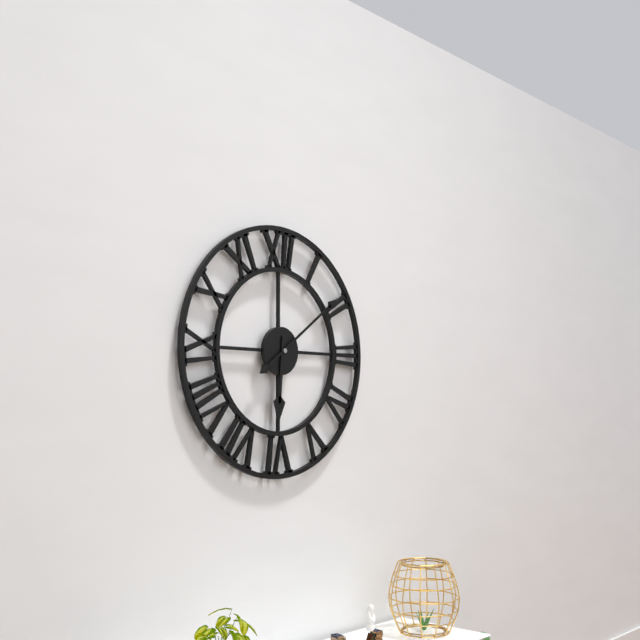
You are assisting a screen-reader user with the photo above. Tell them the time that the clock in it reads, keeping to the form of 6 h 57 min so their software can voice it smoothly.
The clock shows 6 h 09 min
